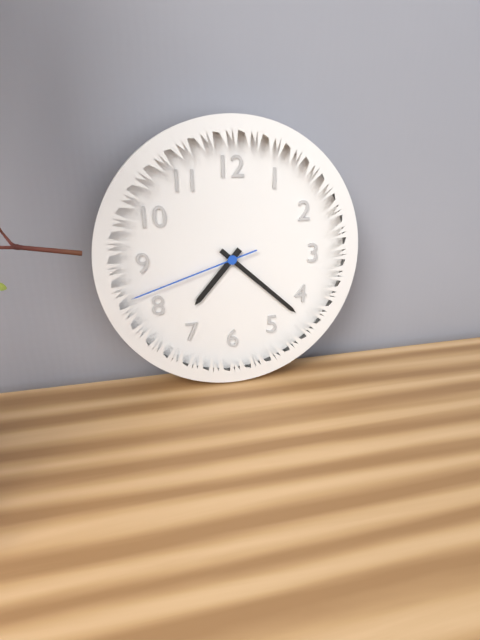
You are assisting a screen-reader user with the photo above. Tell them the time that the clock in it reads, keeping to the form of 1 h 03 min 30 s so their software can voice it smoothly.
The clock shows 7 h 22 min 42 s
